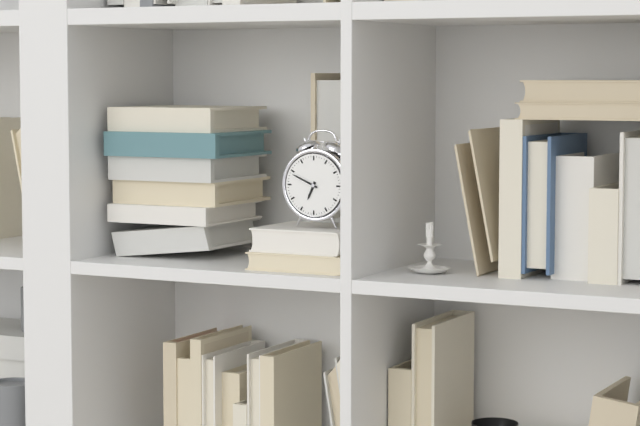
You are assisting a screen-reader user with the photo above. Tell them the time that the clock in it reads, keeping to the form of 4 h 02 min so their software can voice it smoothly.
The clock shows 6 h 49 min
